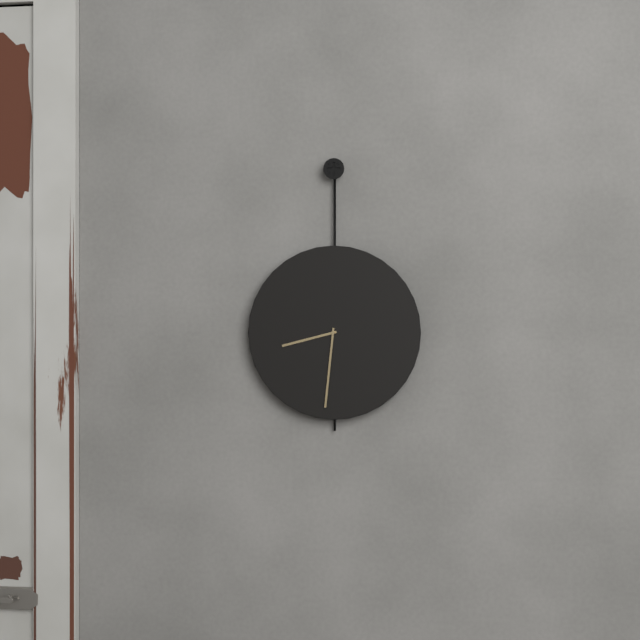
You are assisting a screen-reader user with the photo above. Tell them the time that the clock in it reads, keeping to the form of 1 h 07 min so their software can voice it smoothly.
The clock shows 8 h 31 min
